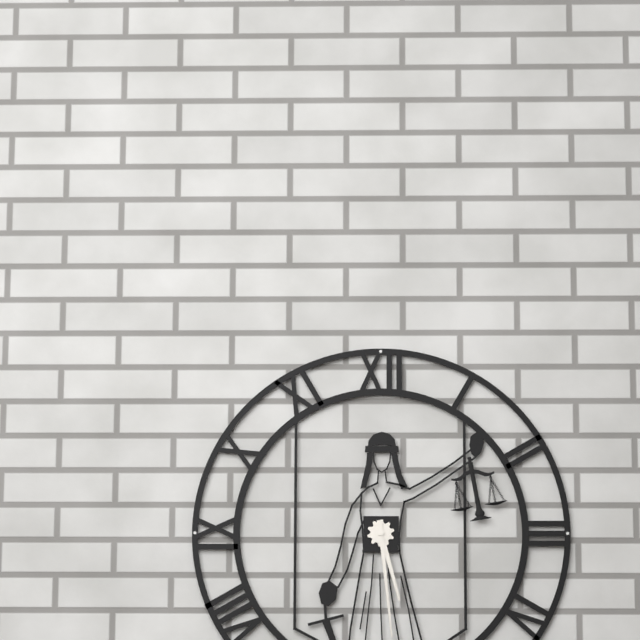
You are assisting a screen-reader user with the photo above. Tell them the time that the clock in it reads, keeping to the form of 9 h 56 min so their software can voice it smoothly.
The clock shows 5 h 29 min
